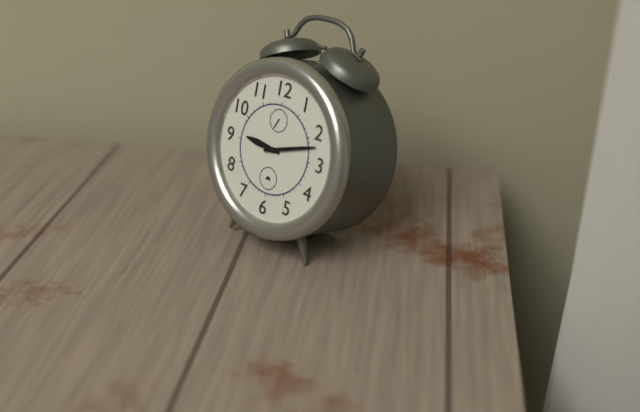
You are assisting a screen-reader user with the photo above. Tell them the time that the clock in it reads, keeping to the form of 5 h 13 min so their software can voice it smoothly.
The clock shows 9 h 12 min
